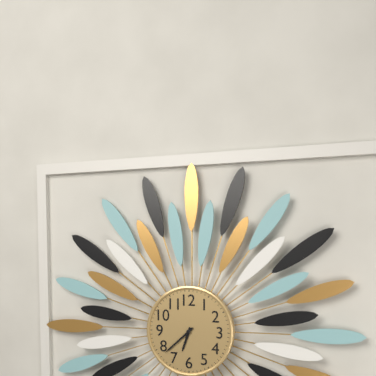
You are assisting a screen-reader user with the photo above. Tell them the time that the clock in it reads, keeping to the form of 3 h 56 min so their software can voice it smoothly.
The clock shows 6 h 38 min
